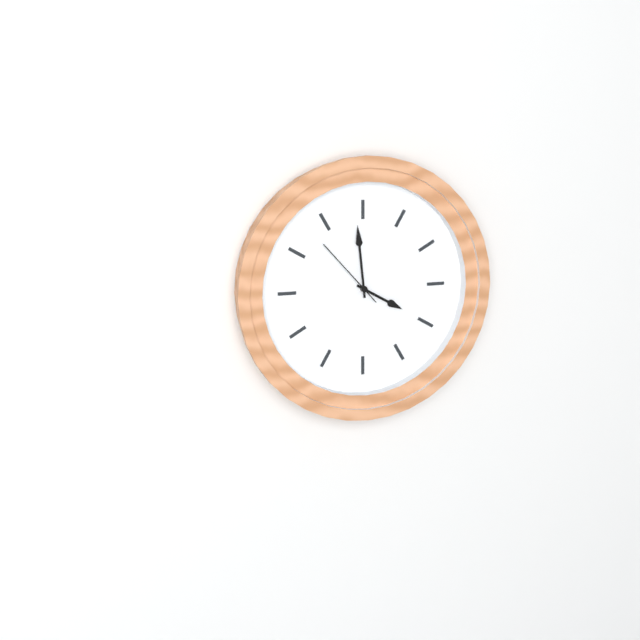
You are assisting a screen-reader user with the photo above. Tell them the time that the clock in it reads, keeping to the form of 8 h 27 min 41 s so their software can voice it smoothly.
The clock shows 3 h 59 min 53 s
